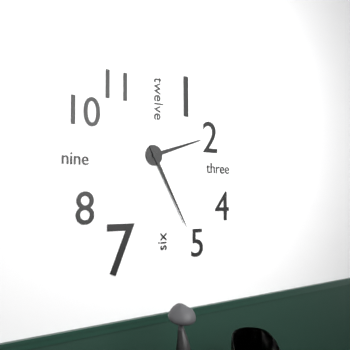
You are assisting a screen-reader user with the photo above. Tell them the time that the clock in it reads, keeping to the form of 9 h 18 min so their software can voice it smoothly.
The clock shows 2 h 25 min
